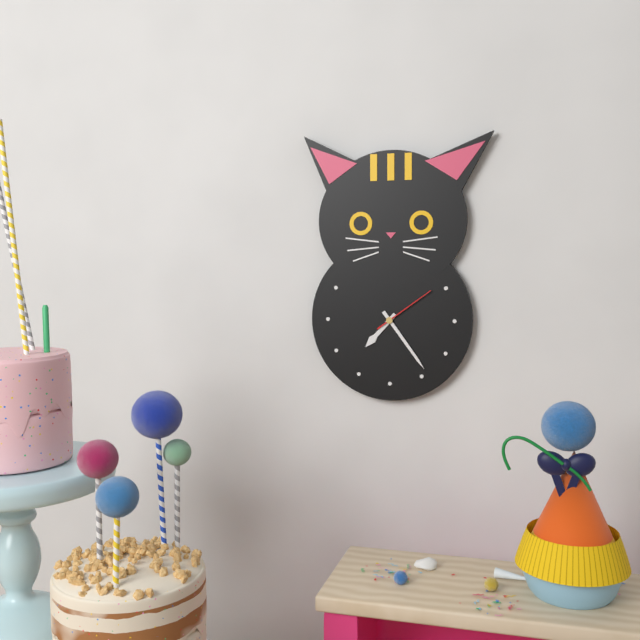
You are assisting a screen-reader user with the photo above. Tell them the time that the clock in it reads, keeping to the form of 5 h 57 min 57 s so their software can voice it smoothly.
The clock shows 7 h 24 min 09 s
